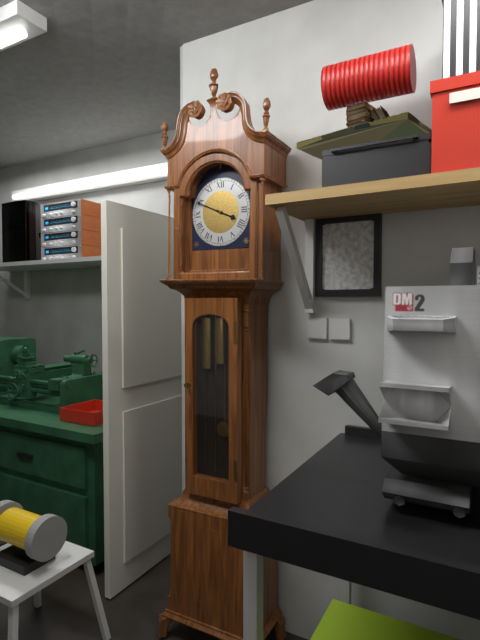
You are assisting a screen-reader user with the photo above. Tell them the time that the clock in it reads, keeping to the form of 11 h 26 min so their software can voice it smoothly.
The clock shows 3 h 49 min
